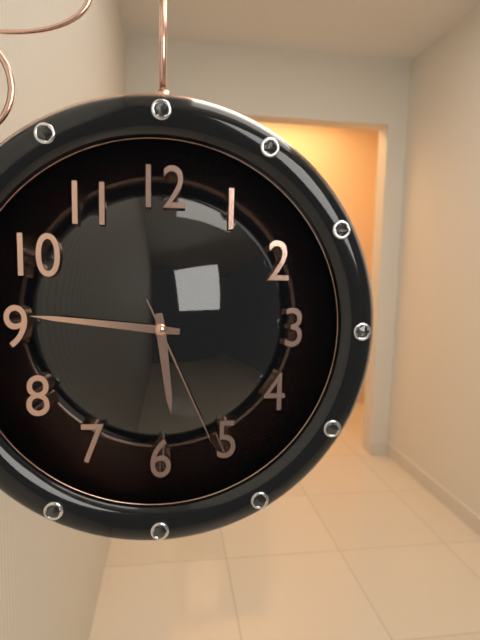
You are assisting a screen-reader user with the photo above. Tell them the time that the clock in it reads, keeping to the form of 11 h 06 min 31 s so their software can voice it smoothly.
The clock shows 5 h 46 min 26 s
